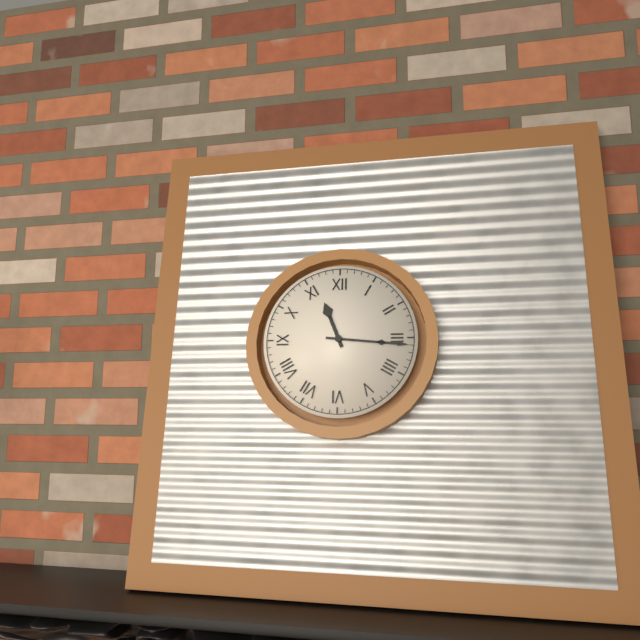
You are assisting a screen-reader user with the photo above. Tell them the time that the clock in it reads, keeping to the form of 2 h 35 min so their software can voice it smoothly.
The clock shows 11 h 16 min
